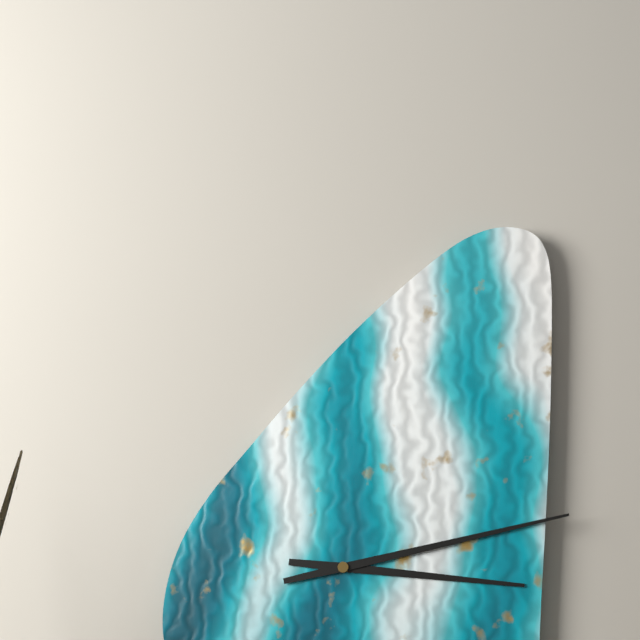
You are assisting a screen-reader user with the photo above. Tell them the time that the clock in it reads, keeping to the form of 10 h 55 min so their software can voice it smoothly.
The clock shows 3 h 13 min
